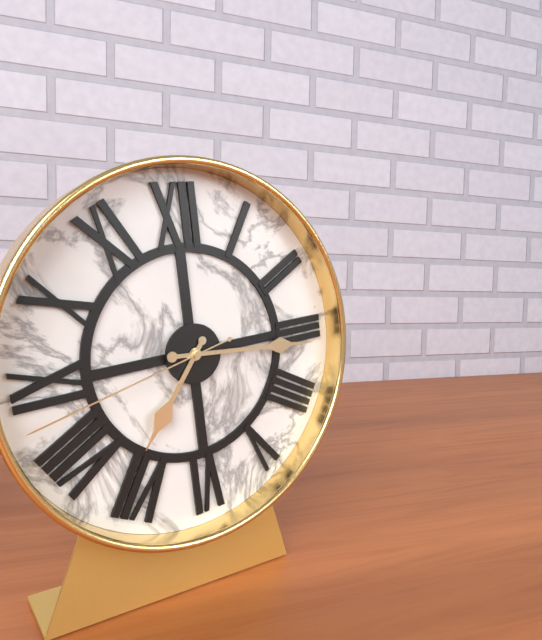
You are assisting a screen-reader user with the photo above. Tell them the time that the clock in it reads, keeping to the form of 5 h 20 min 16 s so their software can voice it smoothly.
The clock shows 7 h 16 min 43 s
